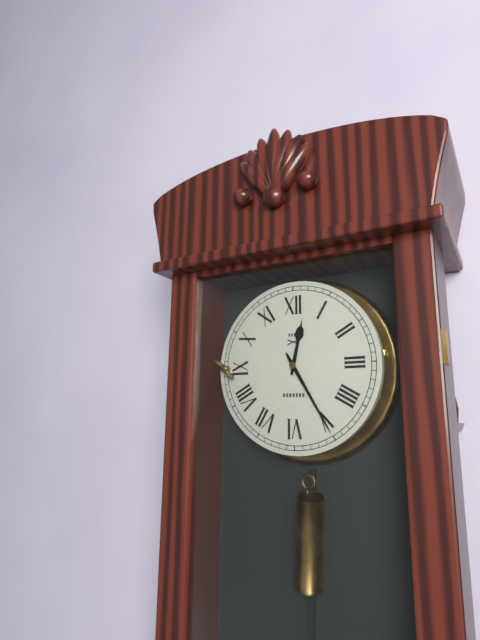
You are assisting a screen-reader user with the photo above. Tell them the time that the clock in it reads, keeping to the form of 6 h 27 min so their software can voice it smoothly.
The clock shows 12 h 25 min
